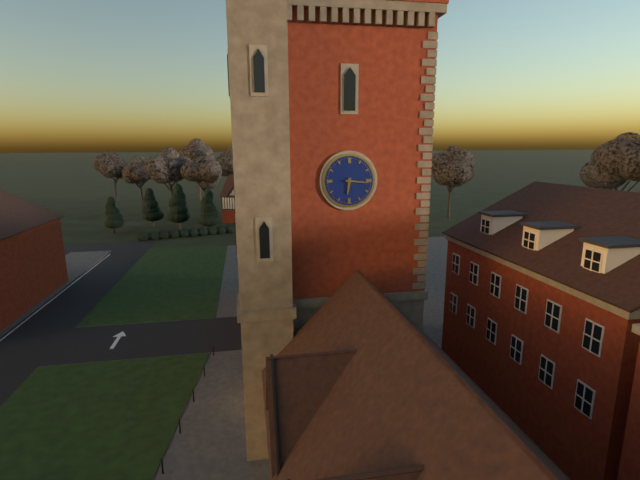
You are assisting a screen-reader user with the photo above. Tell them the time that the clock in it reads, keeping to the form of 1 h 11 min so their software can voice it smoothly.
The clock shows 6 h 16 min
